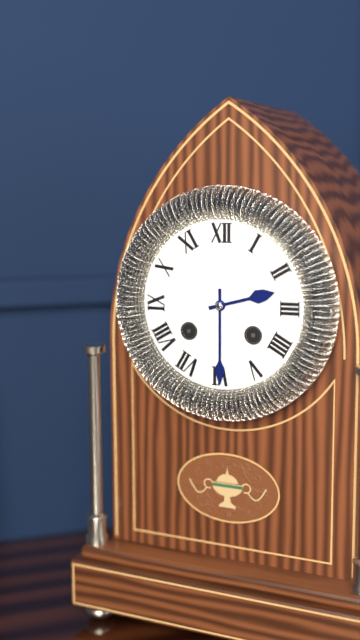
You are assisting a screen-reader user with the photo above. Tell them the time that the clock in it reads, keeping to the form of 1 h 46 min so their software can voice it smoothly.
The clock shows 2 h 30 min
